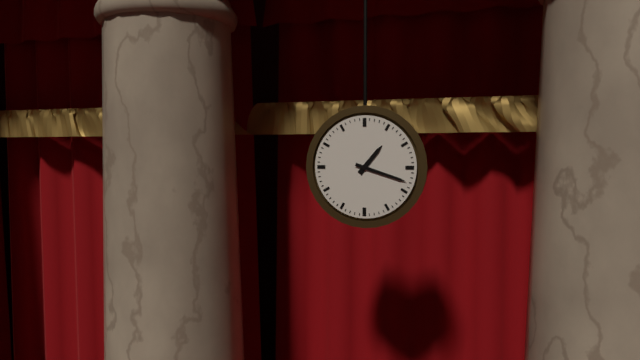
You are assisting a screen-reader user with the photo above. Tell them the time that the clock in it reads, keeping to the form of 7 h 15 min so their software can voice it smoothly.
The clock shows 1 h 18 min
